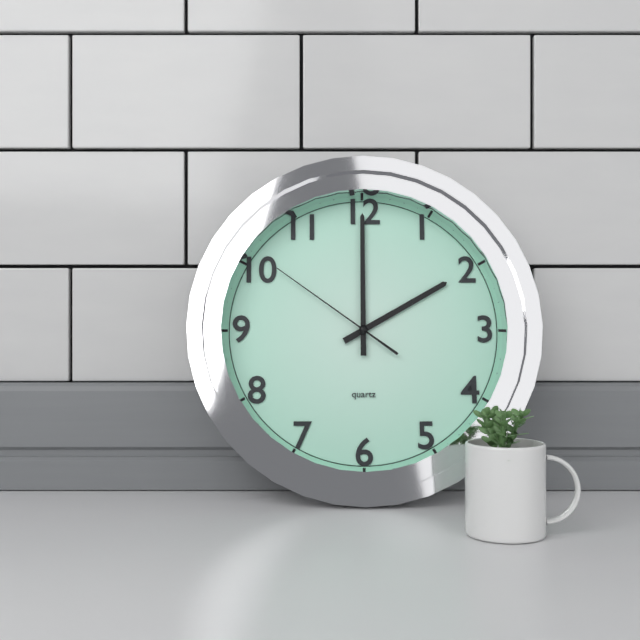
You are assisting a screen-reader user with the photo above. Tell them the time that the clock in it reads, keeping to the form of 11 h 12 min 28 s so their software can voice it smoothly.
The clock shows 2 h 00 min 51 s
